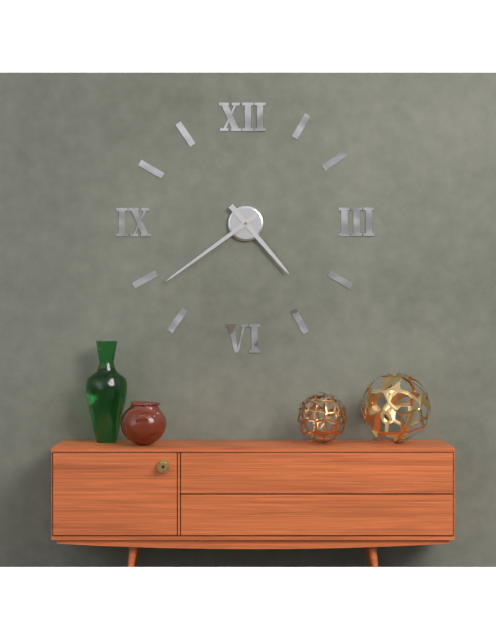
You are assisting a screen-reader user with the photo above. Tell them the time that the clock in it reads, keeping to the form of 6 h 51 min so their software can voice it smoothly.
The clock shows 4 h 39 min
